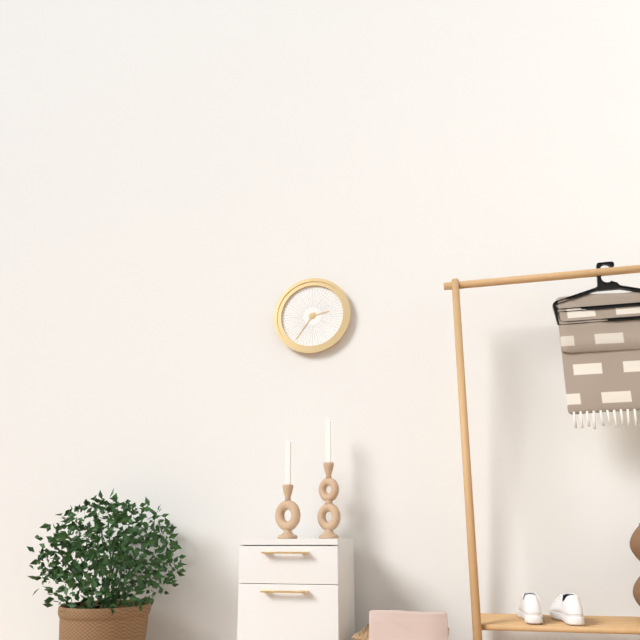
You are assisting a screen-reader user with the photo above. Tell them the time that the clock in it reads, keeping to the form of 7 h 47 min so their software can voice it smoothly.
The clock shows 2 h 36 min
